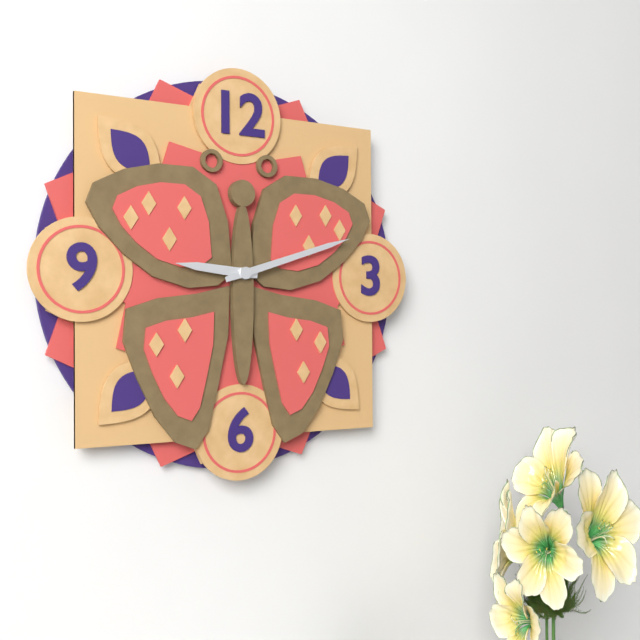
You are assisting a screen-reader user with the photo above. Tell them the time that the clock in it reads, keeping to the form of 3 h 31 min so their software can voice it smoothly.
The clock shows 9 h 12 min
